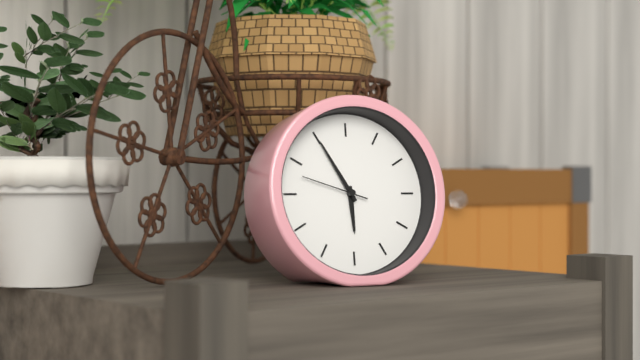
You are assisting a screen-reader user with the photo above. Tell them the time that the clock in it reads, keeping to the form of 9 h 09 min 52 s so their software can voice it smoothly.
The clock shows 5 h 55 min 48 s
